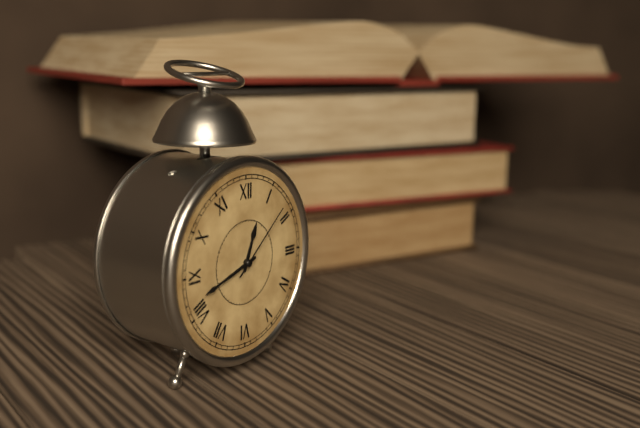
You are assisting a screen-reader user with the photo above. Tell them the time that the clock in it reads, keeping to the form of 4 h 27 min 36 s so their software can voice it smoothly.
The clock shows 12 h 42 min 08 s
